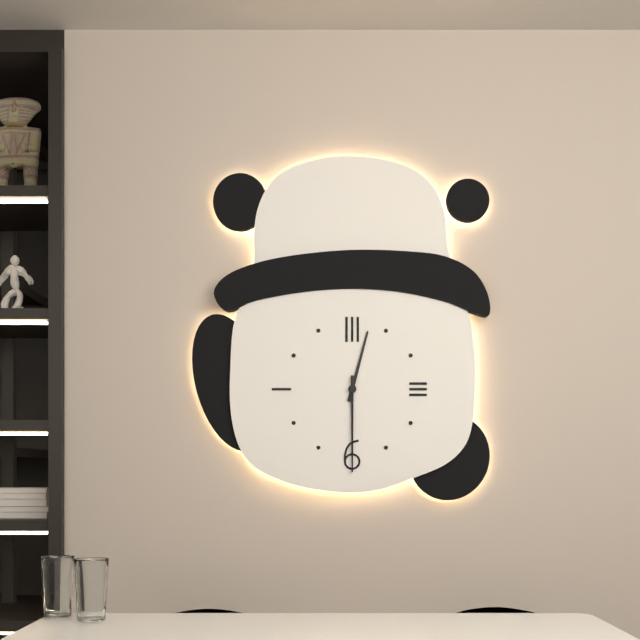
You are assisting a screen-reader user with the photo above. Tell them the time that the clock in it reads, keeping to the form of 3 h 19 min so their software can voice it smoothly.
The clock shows 12 h 30 min
